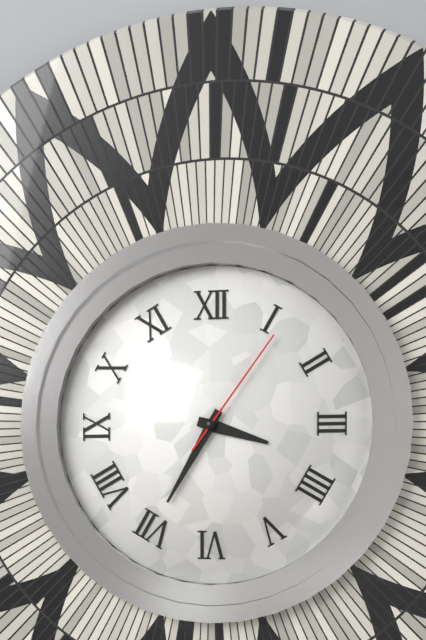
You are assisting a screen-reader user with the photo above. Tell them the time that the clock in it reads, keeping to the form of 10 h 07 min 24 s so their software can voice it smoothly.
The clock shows 3 h 35 min 06 s
